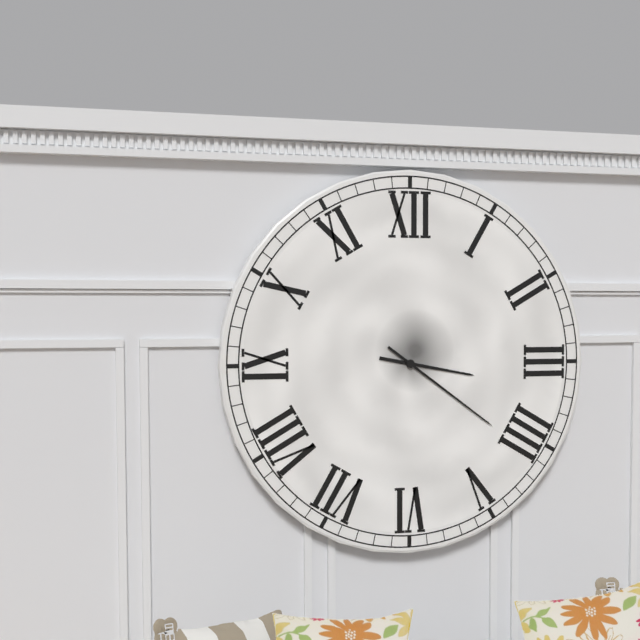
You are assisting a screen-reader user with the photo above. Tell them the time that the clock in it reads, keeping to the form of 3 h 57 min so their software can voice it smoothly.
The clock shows 3 h 21 min
